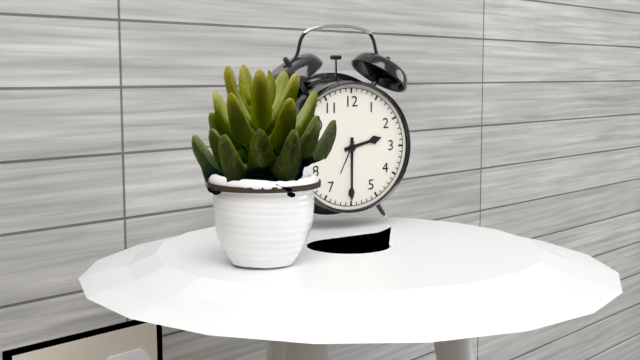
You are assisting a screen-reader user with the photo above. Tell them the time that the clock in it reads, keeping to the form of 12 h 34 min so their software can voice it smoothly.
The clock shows 2 h 30 min
